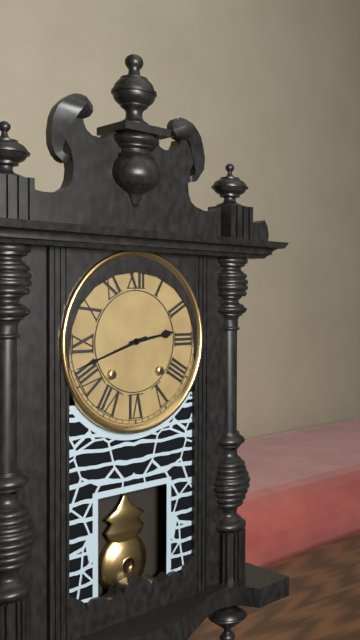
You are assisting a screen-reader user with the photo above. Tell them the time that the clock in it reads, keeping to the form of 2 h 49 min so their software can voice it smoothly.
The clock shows 2 h 42 min
